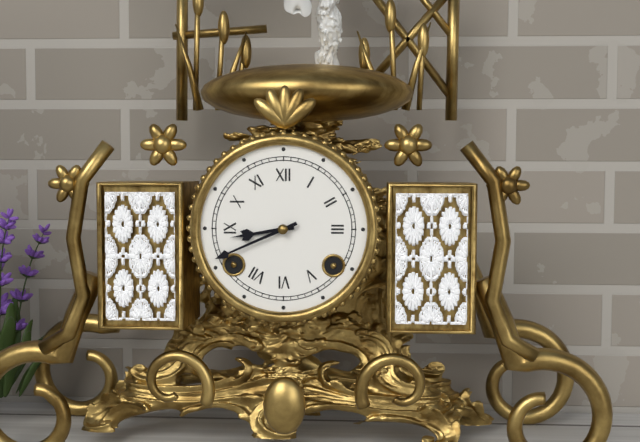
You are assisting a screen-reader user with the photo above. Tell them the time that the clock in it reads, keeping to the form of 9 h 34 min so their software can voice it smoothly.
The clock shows 8 h 41 min
